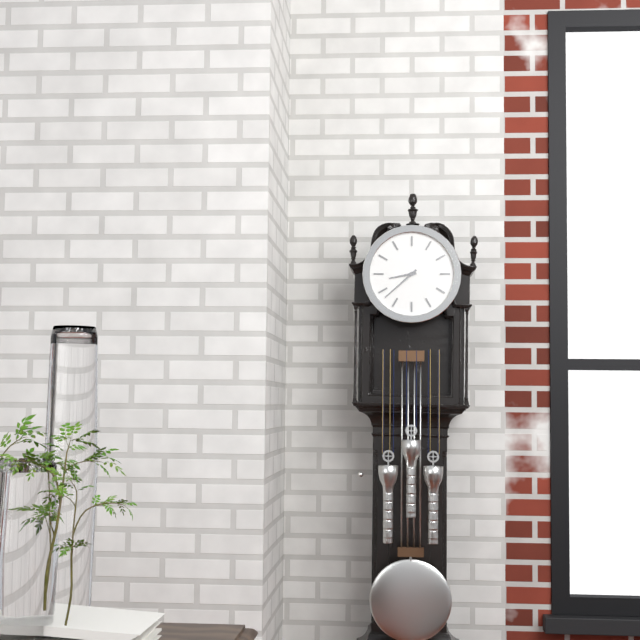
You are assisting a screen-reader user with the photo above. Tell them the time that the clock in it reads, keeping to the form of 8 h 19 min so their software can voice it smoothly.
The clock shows 8 h 38 min
